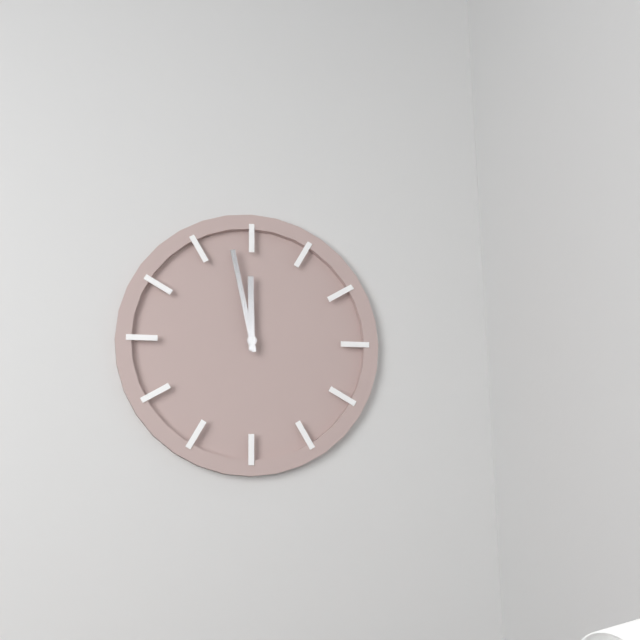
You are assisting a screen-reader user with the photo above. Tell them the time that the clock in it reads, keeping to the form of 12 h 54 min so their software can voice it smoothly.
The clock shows 11 h 58 min
